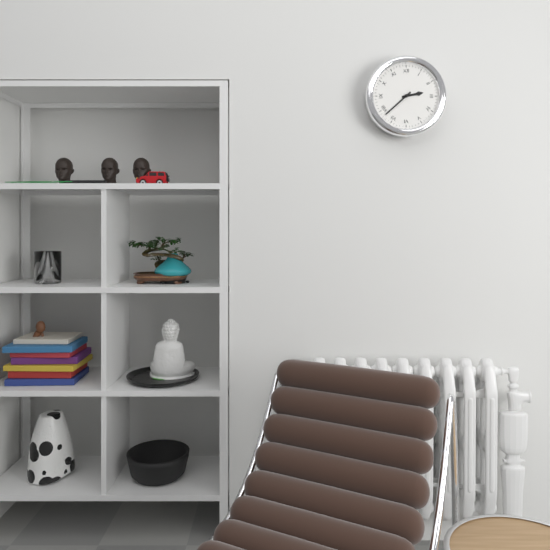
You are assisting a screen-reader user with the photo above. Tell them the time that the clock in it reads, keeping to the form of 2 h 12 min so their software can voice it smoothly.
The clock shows 2 h 38 min
